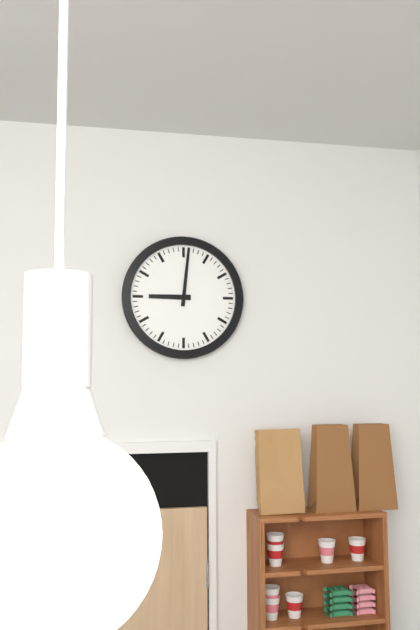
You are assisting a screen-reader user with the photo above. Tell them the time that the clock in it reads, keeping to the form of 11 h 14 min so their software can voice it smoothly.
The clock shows 9 h 01 min
